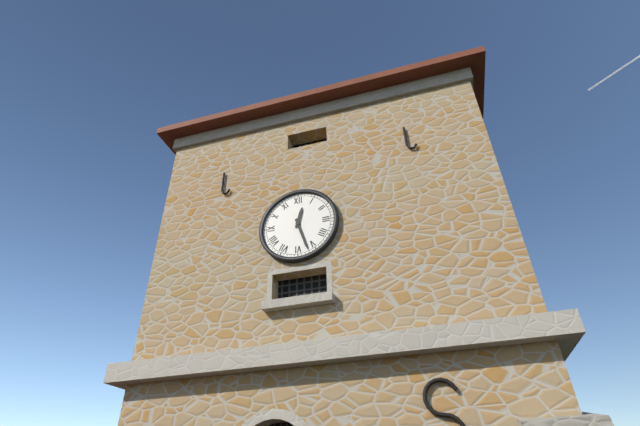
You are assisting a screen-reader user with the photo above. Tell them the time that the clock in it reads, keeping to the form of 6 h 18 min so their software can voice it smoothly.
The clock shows 12 h 27 min
